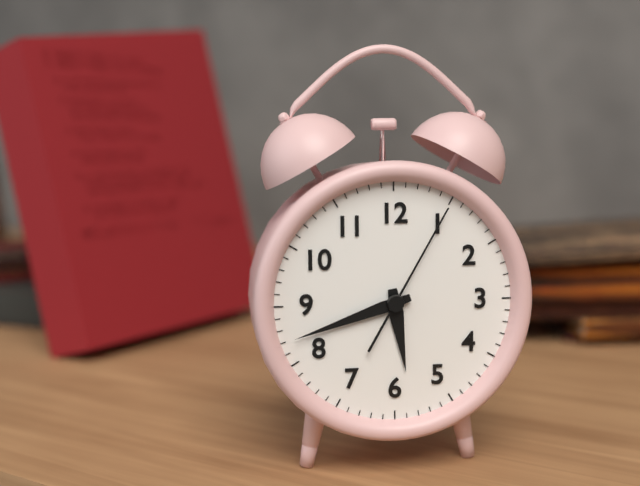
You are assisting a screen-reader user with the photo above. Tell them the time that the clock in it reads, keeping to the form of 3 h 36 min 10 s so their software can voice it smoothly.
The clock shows 5 h 42 min 05 s
